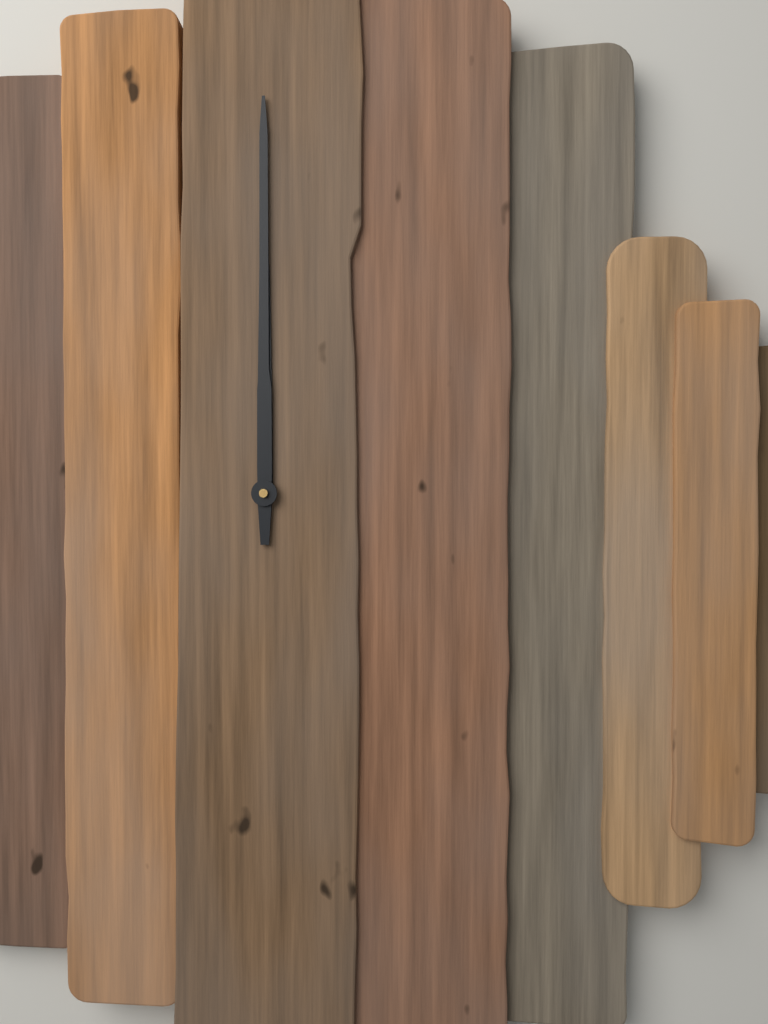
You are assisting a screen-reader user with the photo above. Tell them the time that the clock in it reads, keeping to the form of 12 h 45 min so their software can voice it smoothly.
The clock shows 12 h 00 min
